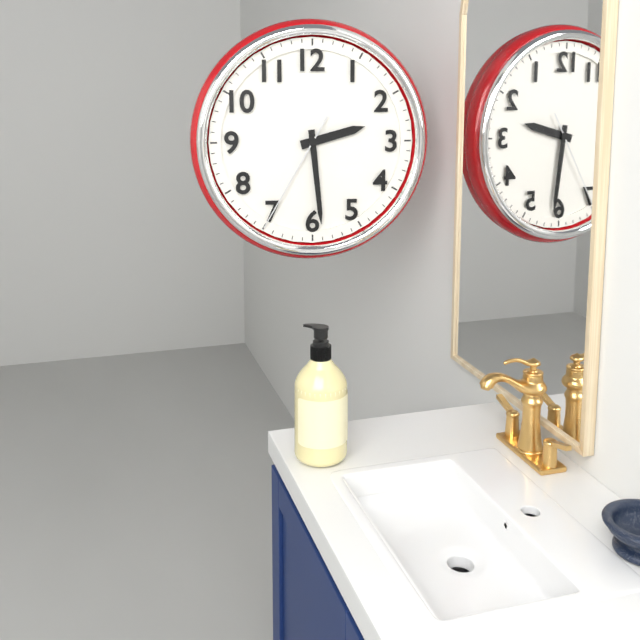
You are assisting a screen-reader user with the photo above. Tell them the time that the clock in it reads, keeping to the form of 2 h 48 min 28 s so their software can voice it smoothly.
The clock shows 2 h 29 min 35 s
